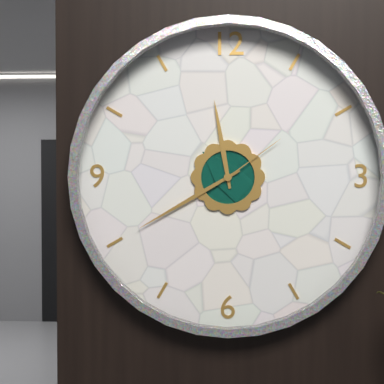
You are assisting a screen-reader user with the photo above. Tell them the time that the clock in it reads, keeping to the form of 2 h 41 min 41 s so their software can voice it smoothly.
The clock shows 11 h 40 min 09 s
